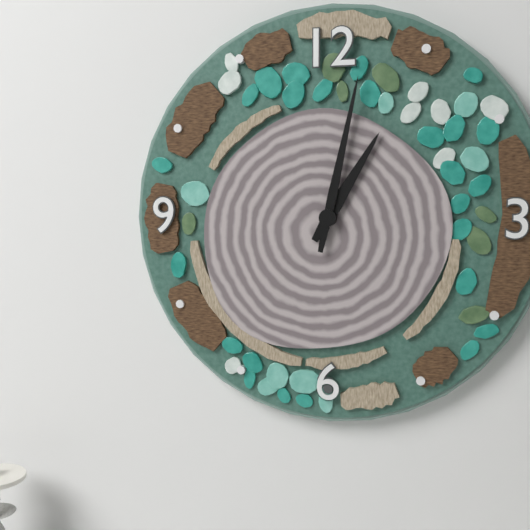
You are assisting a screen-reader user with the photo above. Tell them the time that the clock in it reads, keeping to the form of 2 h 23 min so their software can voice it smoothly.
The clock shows 1 h 02 min
